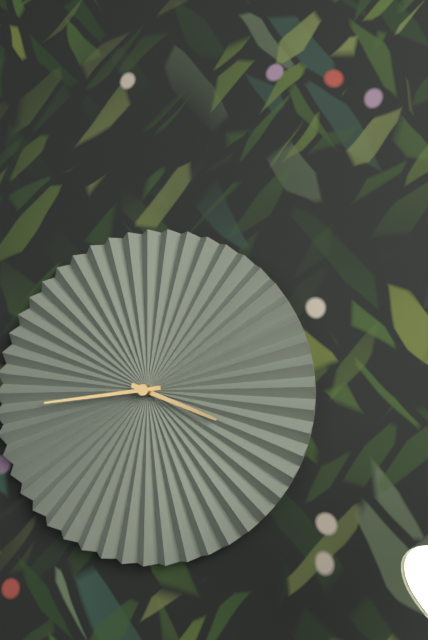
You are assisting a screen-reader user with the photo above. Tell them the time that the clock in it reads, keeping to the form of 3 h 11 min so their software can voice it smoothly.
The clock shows 3 h 44 min
